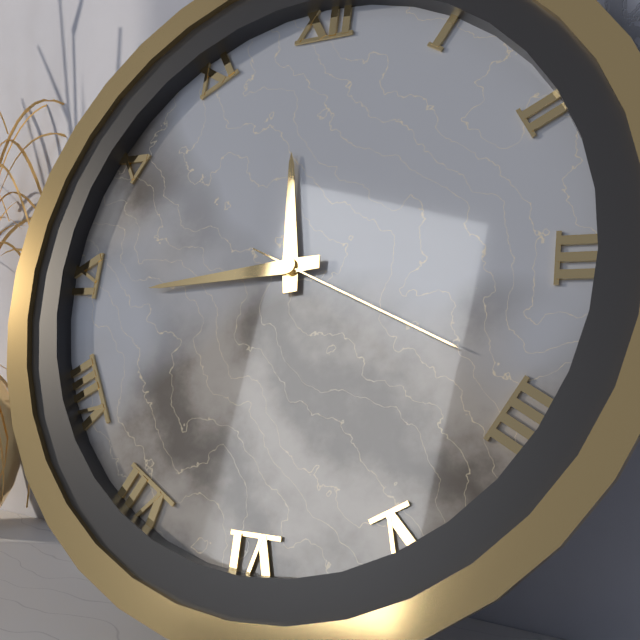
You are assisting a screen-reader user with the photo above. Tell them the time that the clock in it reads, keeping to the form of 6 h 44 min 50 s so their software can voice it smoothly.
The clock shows 11 h 44 min 19 s
